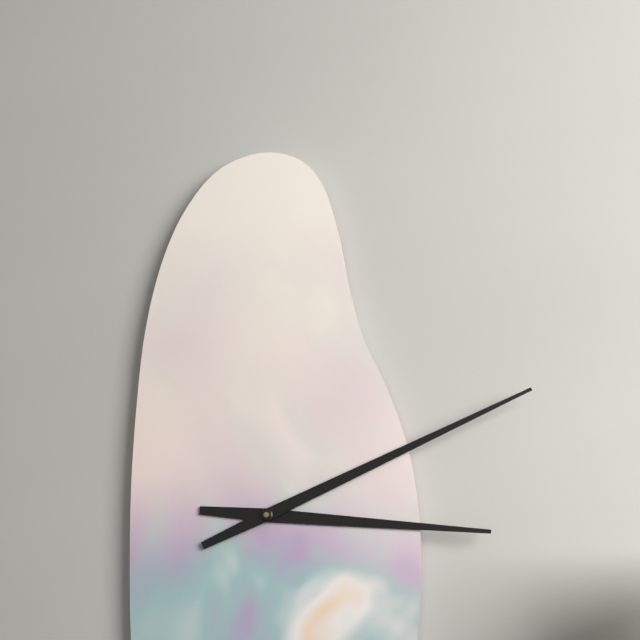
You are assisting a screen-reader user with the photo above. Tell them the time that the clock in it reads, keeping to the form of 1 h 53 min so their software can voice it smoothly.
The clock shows 3 h 11 min
